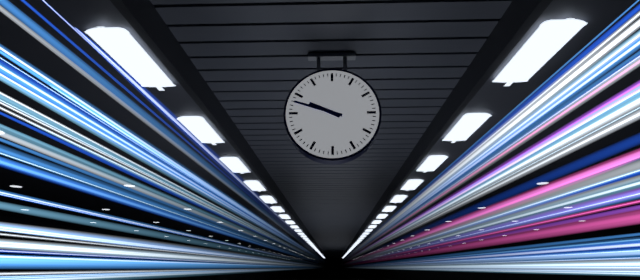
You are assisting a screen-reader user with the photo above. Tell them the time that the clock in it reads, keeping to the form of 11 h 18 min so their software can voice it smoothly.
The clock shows 9 h 48 min
